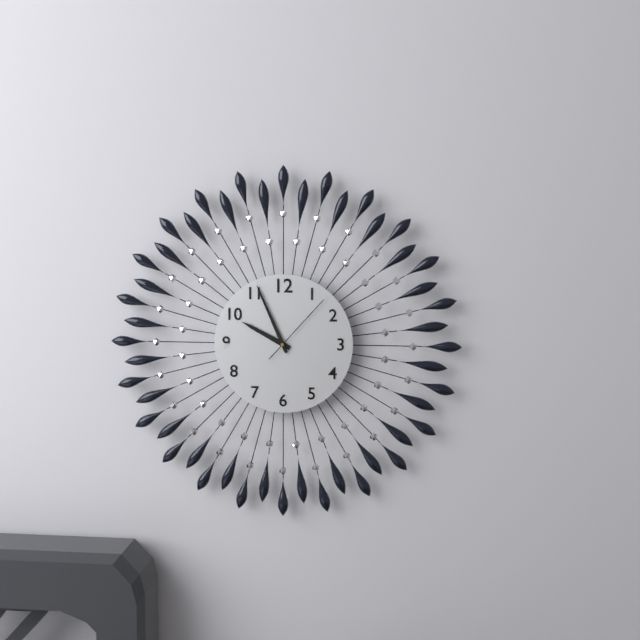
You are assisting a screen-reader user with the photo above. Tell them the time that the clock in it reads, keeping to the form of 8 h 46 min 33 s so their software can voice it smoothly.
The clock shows 9 h 56 min 07 s
